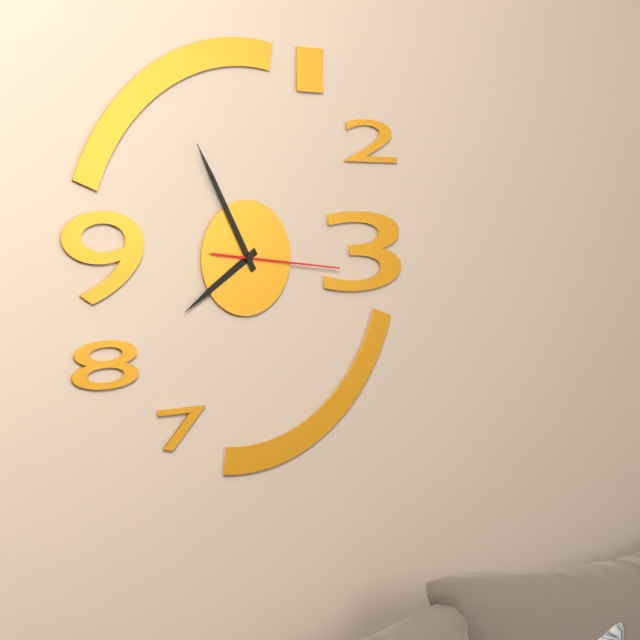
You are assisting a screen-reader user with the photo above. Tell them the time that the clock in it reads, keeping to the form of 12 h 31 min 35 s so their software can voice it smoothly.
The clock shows 7 h 55 min 16 s
